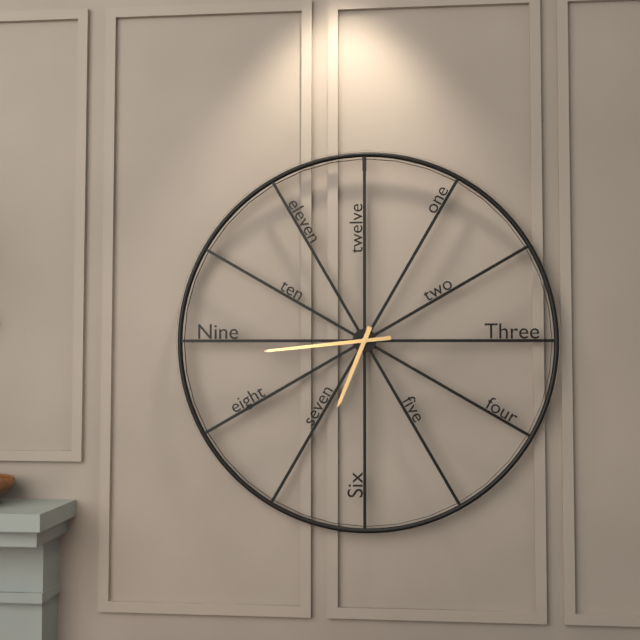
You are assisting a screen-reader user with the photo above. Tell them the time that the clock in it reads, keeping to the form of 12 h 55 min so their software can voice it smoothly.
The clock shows 6 h 44 min
